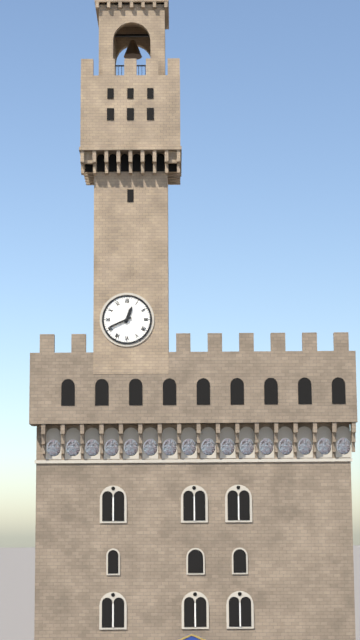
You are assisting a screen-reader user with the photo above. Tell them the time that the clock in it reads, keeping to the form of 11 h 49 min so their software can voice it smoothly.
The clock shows 12 h 41 min
